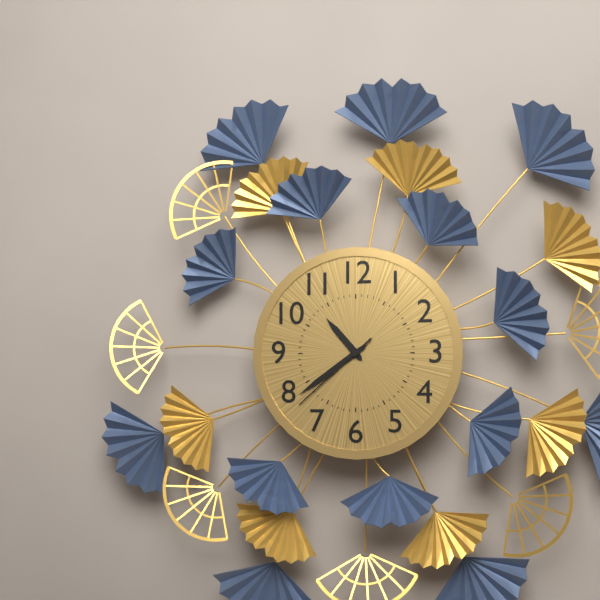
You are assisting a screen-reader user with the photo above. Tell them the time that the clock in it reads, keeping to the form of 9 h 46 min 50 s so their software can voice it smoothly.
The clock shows 10 h 39 min 38 s
